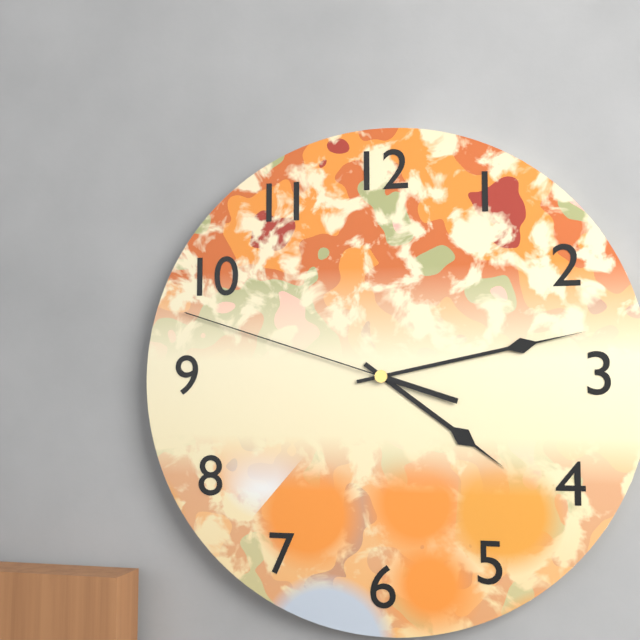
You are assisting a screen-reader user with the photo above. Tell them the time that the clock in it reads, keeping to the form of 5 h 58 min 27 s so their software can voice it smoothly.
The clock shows 4 h 13 min 48 s
